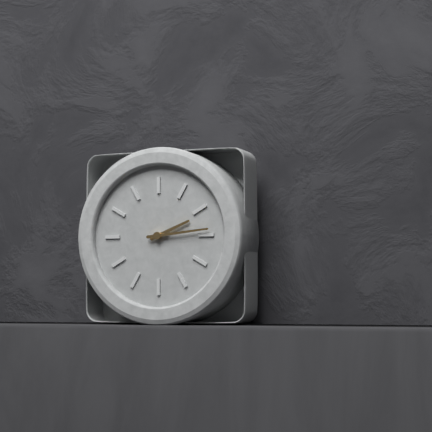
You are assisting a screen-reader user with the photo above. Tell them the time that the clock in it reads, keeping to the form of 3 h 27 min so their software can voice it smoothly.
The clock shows 2 h 14 min
